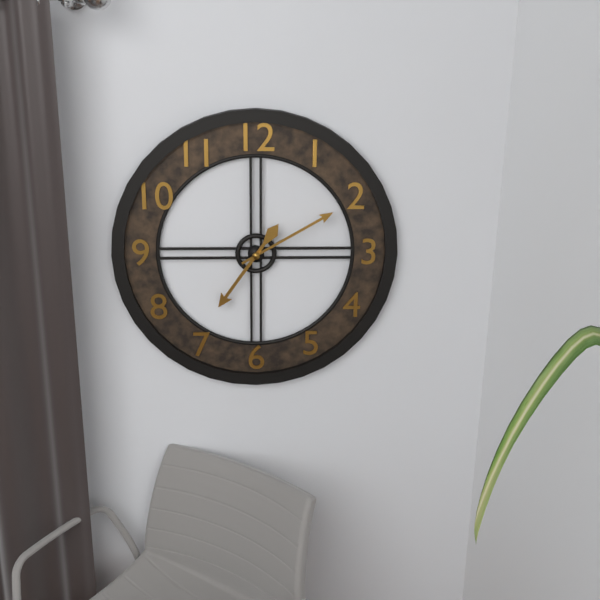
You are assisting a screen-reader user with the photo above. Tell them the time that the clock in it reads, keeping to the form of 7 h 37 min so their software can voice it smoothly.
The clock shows 7 h 10 min
